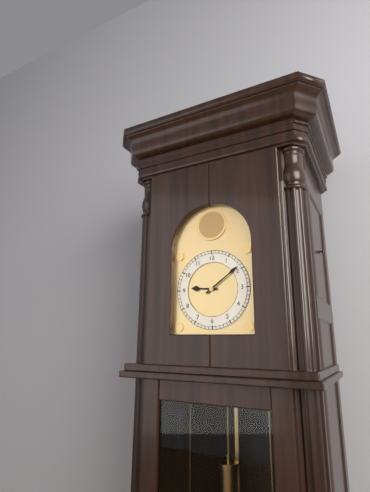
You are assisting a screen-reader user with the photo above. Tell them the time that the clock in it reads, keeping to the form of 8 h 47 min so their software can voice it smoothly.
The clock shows 9 h 09 min
